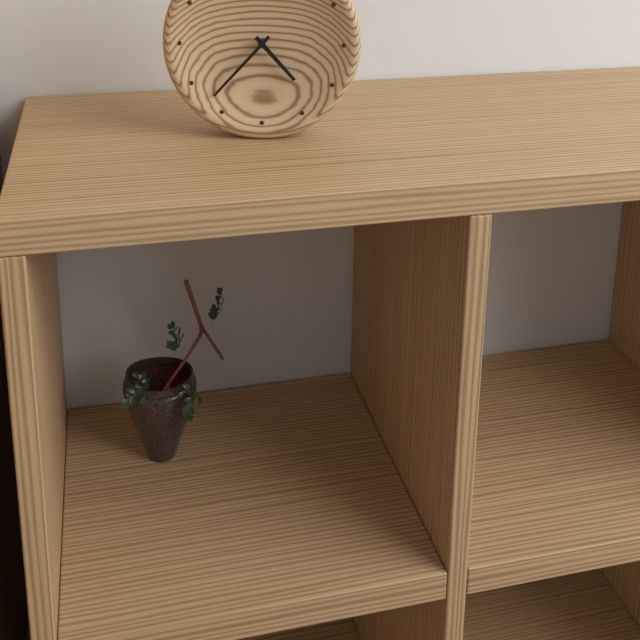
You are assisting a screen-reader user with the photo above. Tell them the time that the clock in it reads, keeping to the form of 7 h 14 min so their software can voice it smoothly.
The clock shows 4 h 37 min
